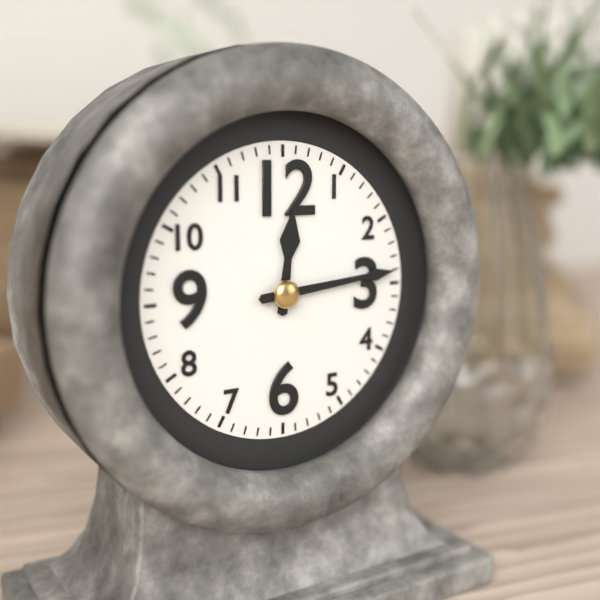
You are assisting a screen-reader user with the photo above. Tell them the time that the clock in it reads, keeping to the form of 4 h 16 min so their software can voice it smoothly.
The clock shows 12 h 14 min
